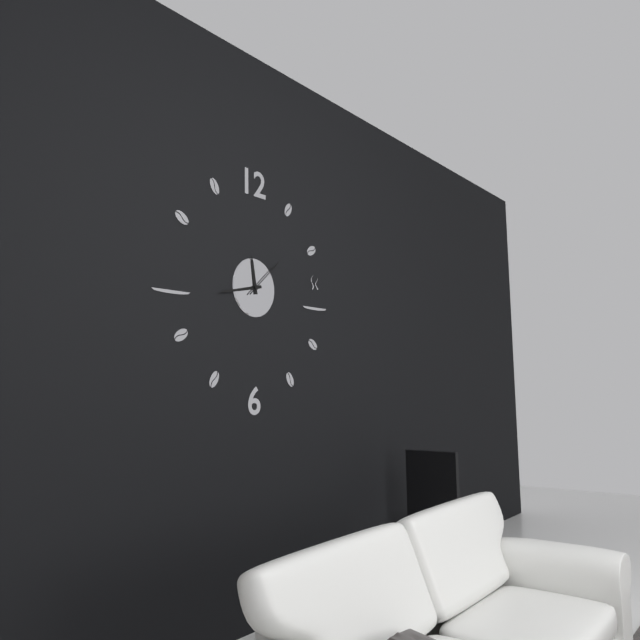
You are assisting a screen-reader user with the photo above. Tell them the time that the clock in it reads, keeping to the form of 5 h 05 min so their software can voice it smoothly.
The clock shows 11 h 43 min
